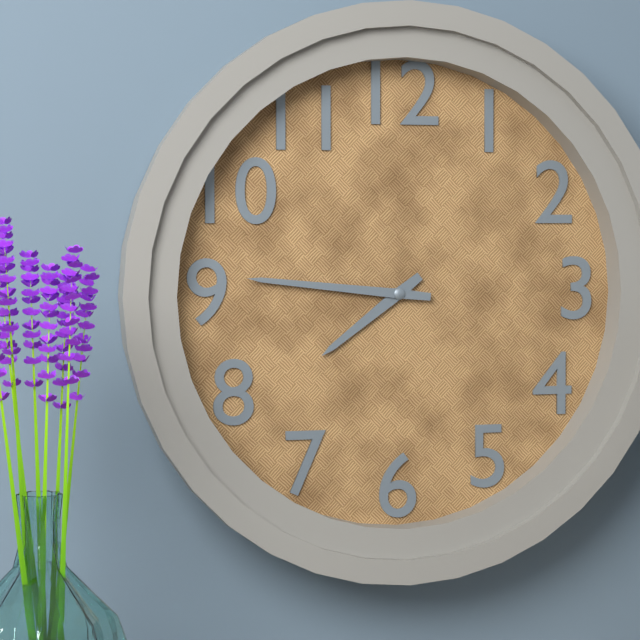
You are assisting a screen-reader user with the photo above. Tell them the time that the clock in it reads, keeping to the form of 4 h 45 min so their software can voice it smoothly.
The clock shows 7 h 46 min
